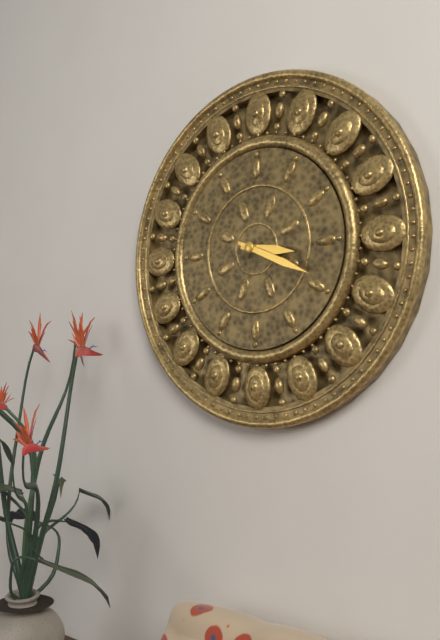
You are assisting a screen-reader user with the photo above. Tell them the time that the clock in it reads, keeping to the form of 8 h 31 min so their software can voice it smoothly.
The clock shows 3 h 19 min
